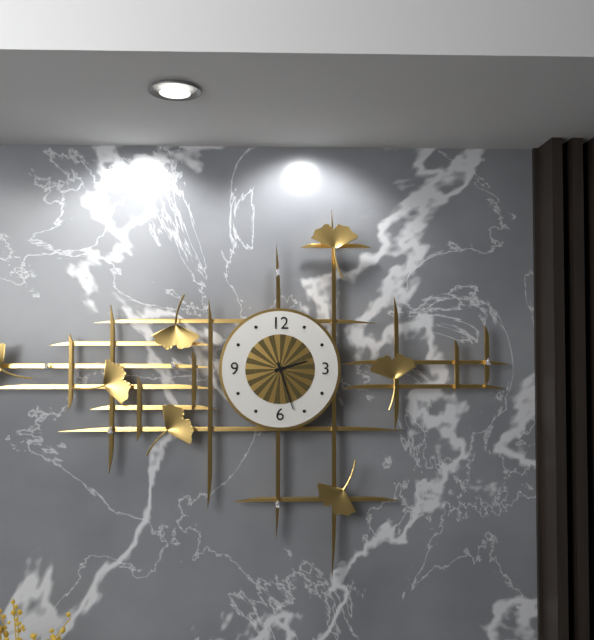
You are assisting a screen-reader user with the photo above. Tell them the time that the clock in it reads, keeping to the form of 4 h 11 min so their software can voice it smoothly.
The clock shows 2 h 27 min
